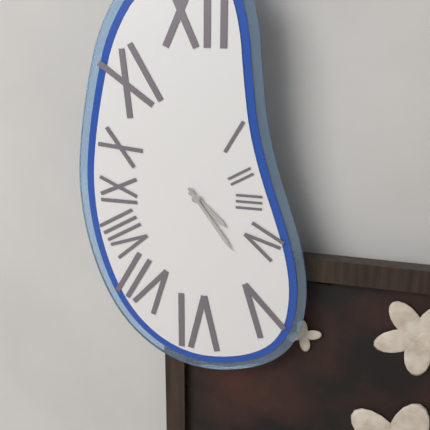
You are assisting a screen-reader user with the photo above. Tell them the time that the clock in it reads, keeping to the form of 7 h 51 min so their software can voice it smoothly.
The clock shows 4 h 24 min
